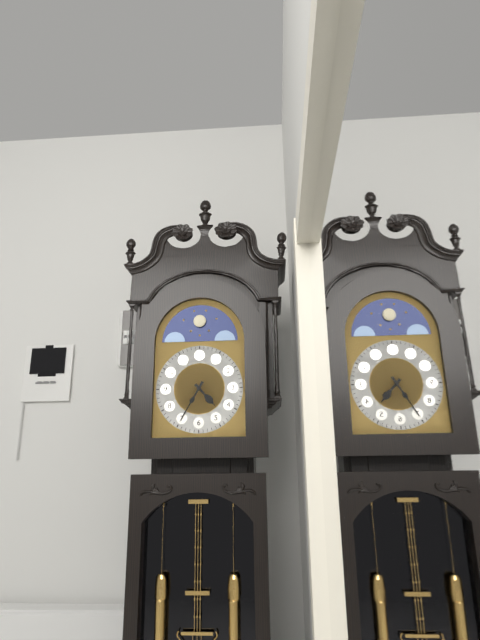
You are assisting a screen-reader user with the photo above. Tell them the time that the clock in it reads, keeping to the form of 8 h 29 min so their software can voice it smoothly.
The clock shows 4 h 35 min
